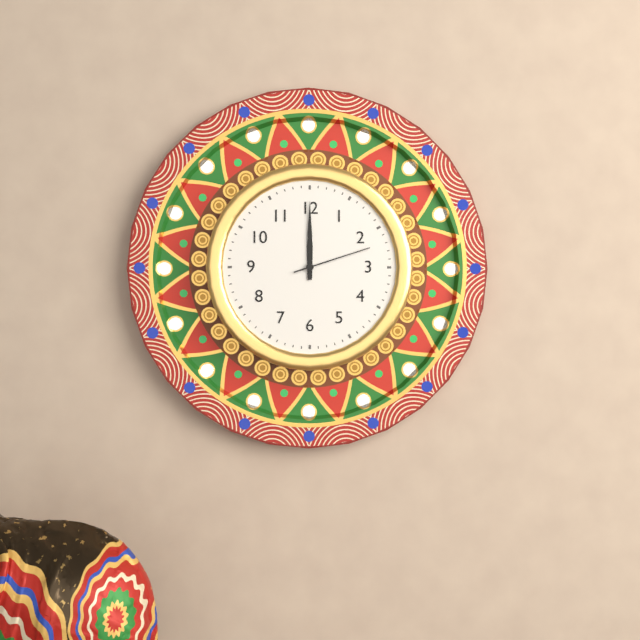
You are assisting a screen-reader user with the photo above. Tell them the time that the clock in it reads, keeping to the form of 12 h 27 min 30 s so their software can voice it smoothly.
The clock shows 12 h 00 min 12 s
